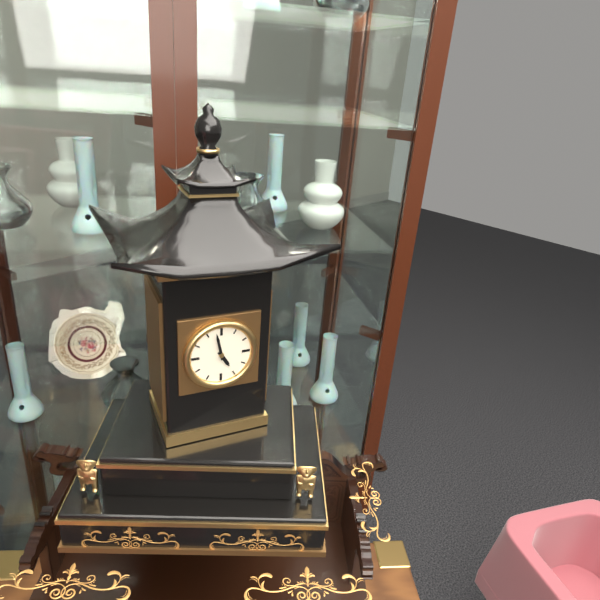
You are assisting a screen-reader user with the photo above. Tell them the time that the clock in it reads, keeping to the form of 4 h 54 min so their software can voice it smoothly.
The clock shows 4 h 58 min
